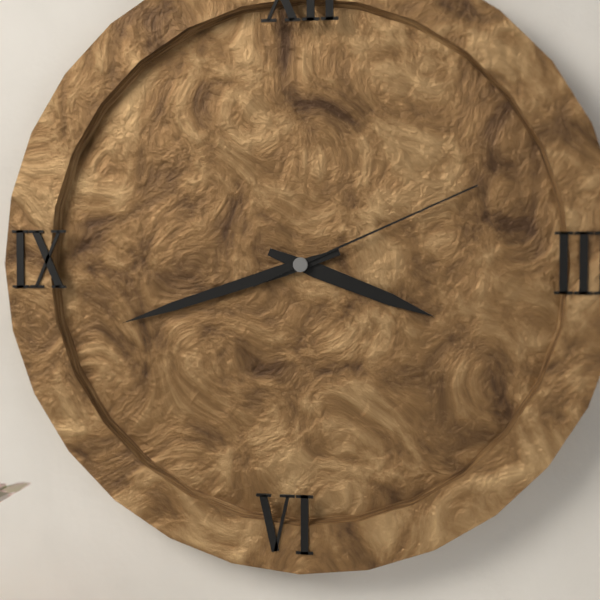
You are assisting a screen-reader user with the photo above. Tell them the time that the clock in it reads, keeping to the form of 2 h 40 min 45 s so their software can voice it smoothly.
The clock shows 3 h 42 min 11 s
